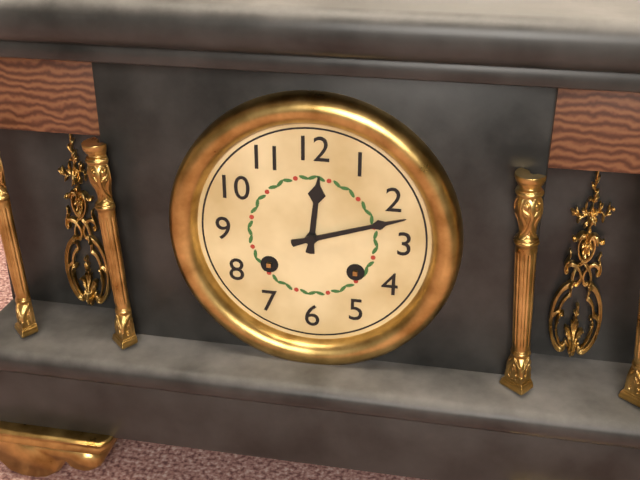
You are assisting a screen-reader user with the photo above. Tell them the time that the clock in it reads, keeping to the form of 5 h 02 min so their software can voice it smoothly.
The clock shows 12 h 12 min
